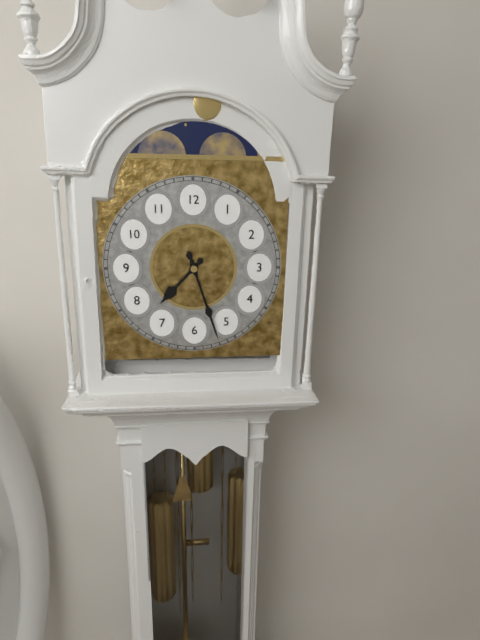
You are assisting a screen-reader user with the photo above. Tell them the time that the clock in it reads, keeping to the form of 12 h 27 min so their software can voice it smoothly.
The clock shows 7 h 27 min
